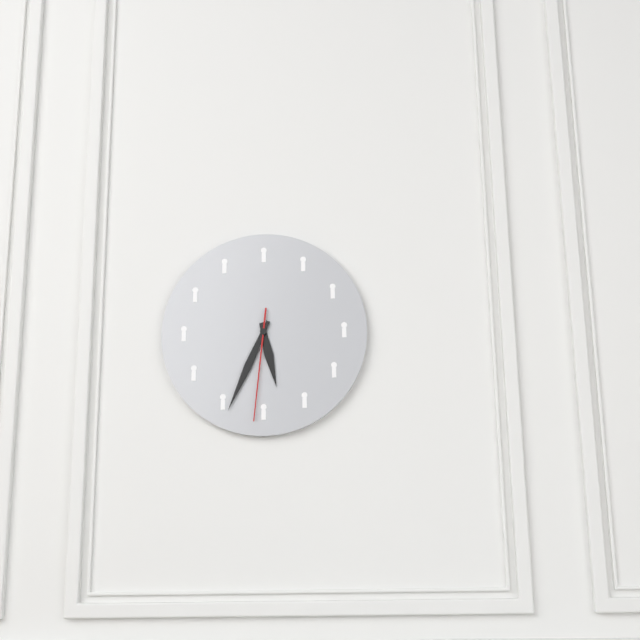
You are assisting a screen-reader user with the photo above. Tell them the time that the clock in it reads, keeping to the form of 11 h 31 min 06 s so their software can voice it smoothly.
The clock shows 5 h 34 min 31 s
